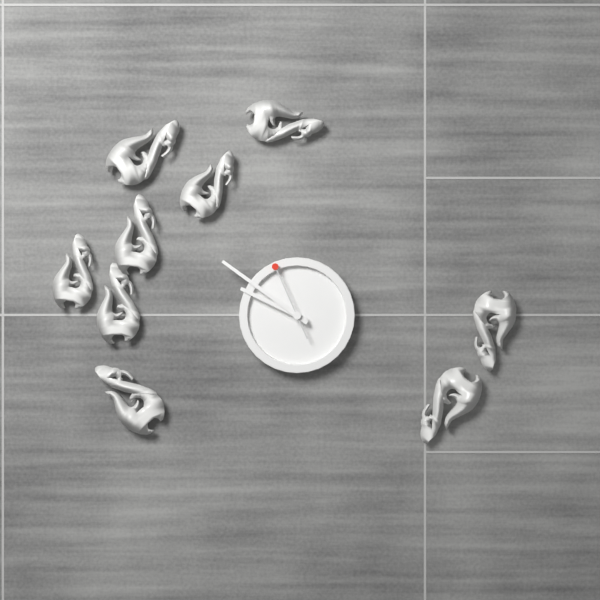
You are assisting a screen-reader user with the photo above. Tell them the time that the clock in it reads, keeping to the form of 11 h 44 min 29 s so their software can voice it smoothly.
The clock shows 9 h 51 min 56 s
